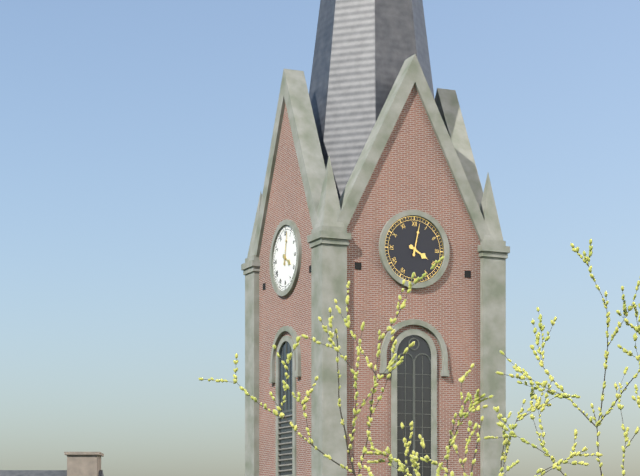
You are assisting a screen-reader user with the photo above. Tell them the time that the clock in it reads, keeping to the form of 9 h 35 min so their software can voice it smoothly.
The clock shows 4 h 02 min
